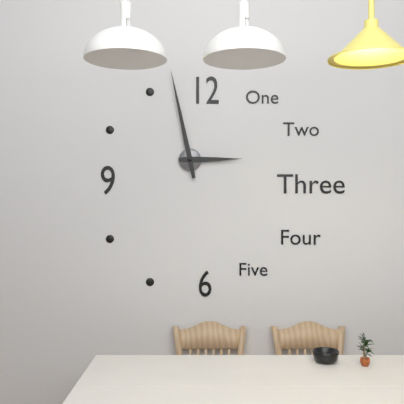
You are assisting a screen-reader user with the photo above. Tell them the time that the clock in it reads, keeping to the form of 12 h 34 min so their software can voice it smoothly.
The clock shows 2 h 58 min
